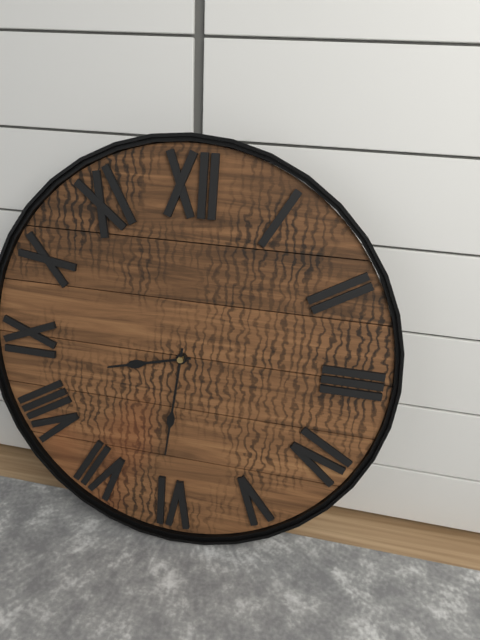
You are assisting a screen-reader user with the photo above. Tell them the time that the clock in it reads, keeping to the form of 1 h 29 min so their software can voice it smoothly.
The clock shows 8 h 31 min
